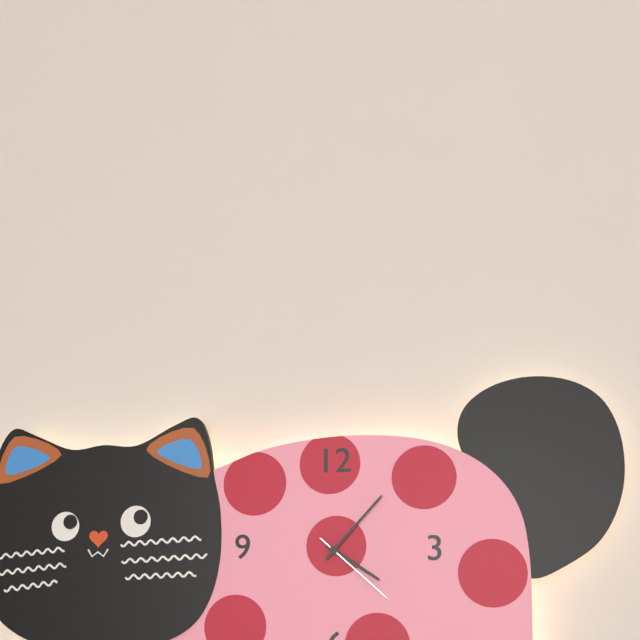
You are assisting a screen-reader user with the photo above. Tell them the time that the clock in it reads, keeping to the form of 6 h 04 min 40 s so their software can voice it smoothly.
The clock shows 4 h 07 min 22 s
